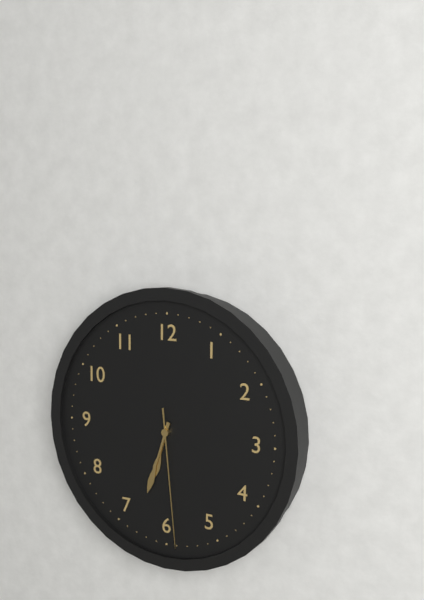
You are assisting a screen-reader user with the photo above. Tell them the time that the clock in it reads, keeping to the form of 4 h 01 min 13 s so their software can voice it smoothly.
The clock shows 6 h 33 min 29 s
